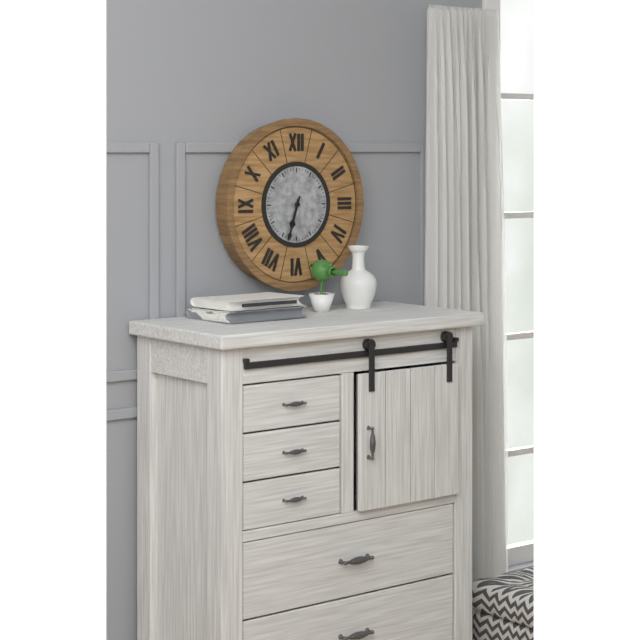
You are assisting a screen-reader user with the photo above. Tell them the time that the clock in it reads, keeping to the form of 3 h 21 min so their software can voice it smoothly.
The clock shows 6 h 33 min
